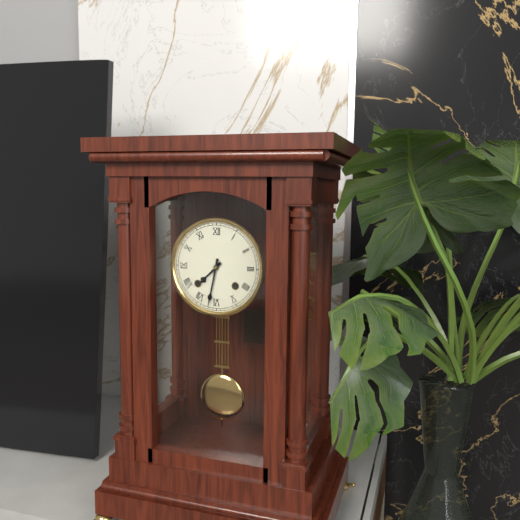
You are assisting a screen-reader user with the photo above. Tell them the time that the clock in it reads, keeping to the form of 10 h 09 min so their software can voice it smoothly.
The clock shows 7 h 32 min
